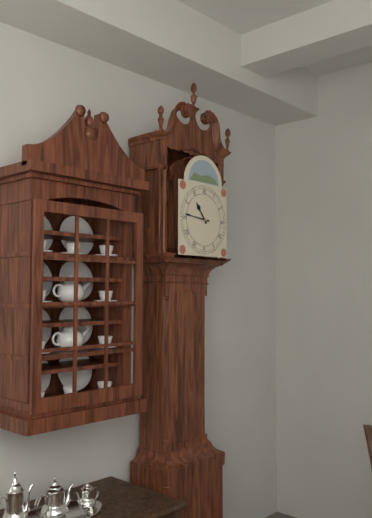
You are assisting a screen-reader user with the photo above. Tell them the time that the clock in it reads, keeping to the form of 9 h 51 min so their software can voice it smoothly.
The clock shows 10 h 46 min
